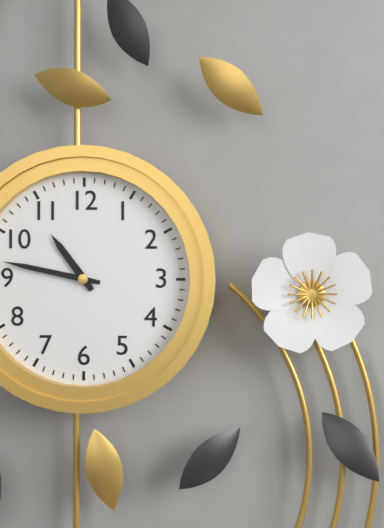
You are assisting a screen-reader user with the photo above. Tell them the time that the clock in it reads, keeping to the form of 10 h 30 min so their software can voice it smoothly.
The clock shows 10 h 47 min
